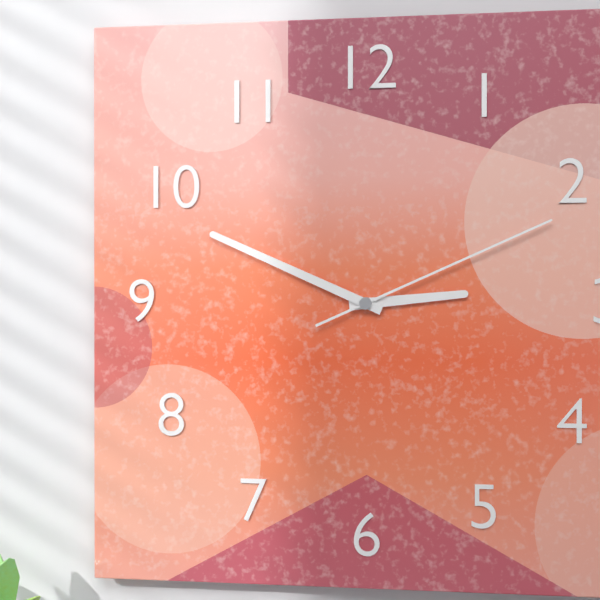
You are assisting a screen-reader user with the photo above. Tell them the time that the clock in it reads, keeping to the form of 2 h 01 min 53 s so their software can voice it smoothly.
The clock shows 2 h 49 min 11 s
